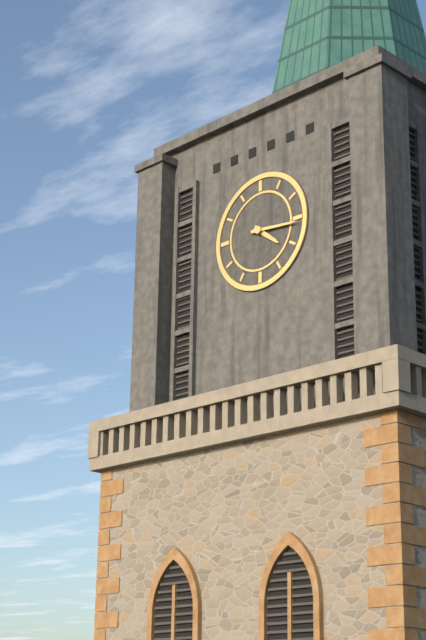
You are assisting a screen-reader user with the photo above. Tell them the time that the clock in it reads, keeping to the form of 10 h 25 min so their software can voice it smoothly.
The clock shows 4 h 16 min
